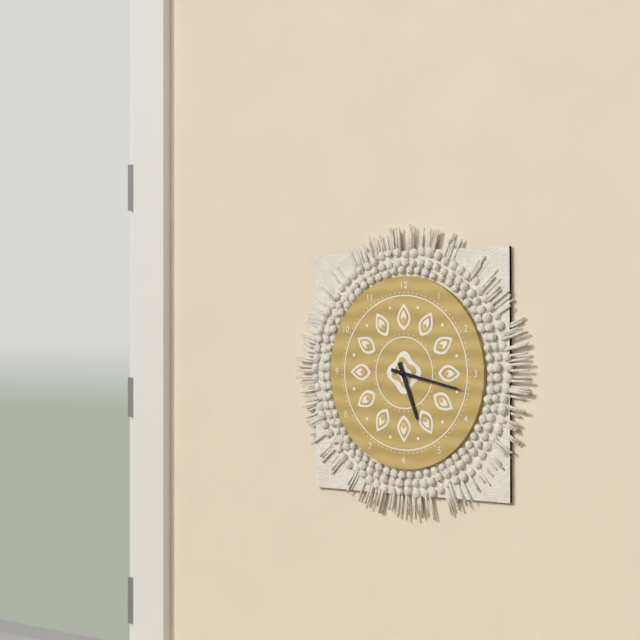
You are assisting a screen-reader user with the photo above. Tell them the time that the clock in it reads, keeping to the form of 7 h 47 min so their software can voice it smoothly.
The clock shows 5 h 17 min
